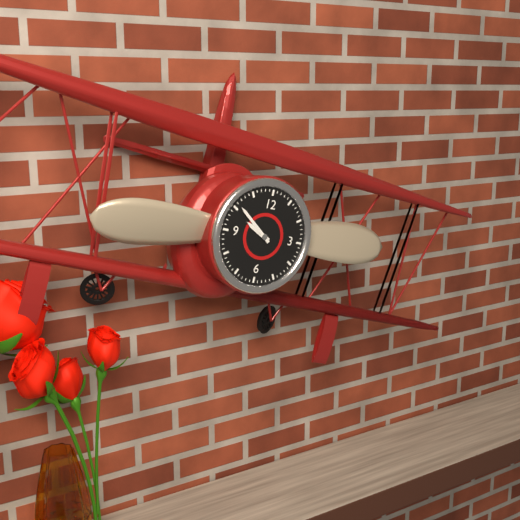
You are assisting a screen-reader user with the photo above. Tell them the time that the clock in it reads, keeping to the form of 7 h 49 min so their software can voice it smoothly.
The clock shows 9 h 51 min
